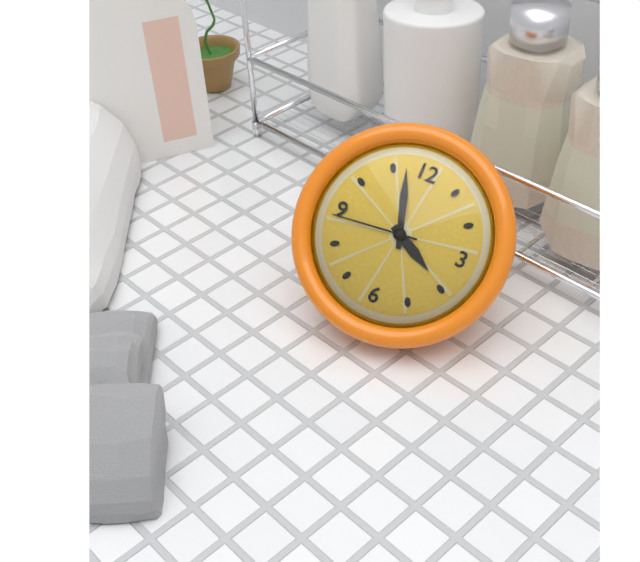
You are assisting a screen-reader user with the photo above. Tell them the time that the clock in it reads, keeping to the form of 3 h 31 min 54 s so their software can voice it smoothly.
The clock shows 3 h 57 min 44 s
